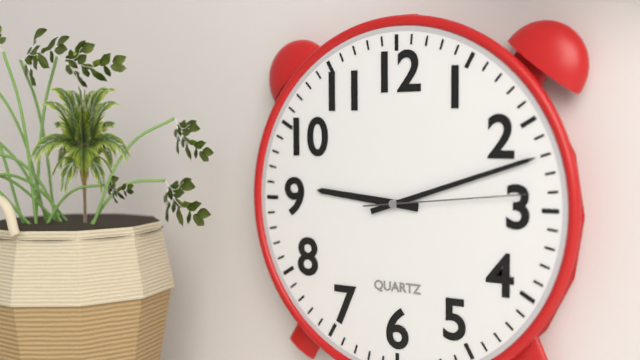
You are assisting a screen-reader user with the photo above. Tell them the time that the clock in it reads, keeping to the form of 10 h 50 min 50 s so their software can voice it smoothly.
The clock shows 9 h 12 min 14 s
